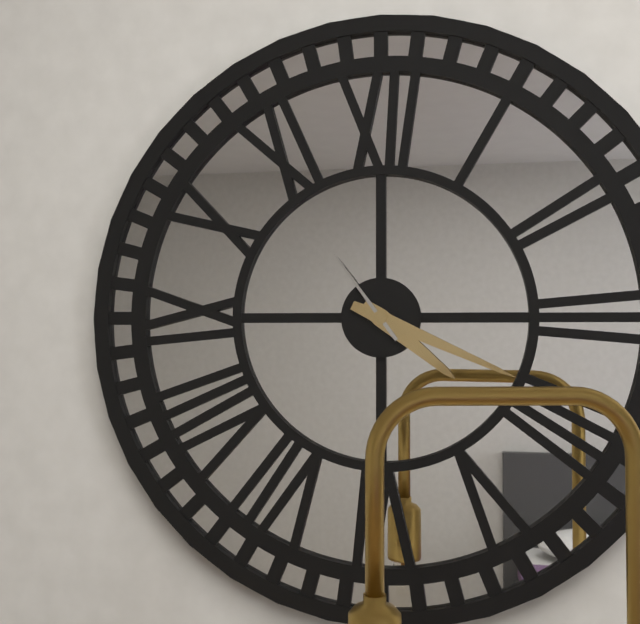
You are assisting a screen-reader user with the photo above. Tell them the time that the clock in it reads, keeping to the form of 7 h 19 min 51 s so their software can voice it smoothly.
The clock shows 4 h 19 min 54 s
